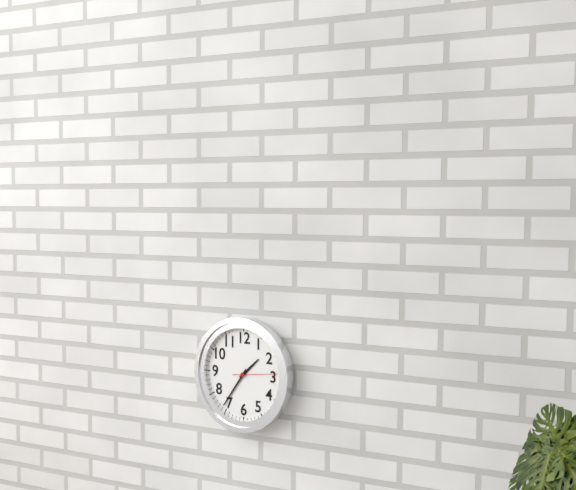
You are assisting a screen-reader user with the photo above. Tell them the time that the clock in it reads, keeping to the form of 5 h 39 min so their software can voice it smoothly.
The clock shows 1 h 36 min
